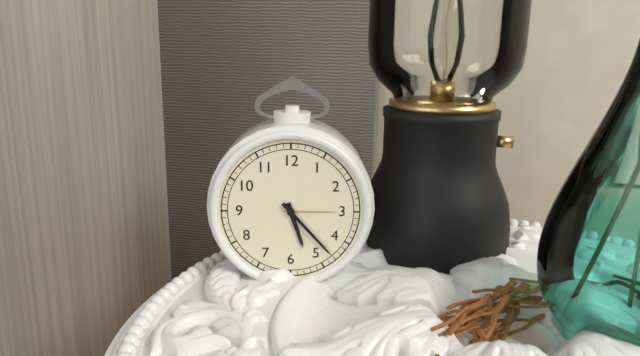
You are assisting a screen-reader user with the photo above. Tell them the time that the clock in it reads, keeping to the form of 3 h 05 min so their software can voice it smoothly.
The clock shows 5 h 23 min
